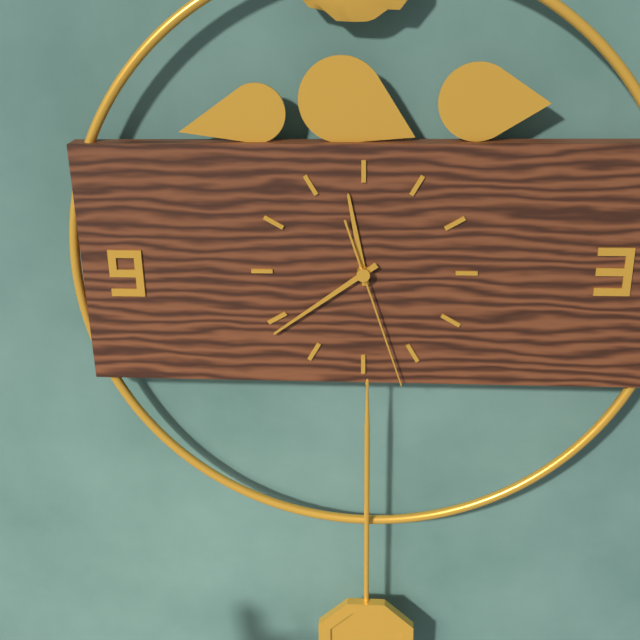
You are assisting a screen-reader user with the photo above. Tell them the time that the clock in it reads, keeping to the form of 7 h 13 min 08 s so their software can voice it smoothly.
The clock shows 11 h 39 min 27 s
